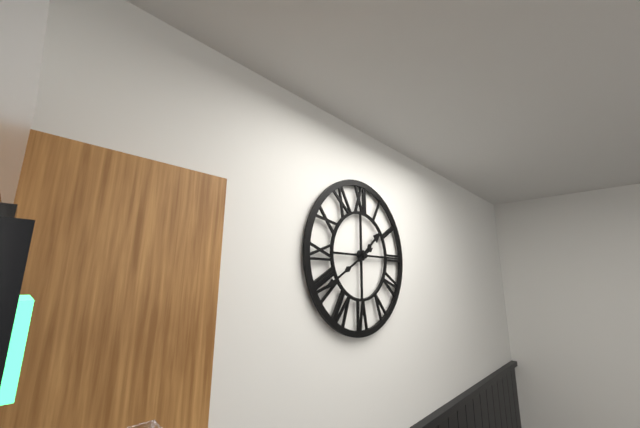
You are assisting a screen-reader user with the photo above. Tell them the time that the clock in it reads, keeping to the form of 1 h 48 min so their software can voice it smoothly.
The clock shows 1 h 40 min
